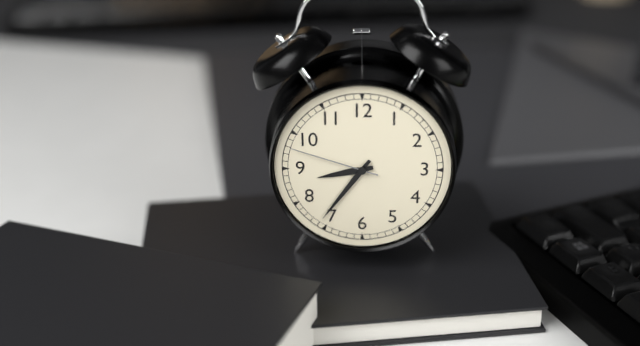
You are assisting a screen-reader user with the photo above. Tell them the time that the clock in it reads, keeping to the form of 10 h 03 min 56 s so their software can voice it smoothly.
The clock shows 8 h 36 min 48 s
